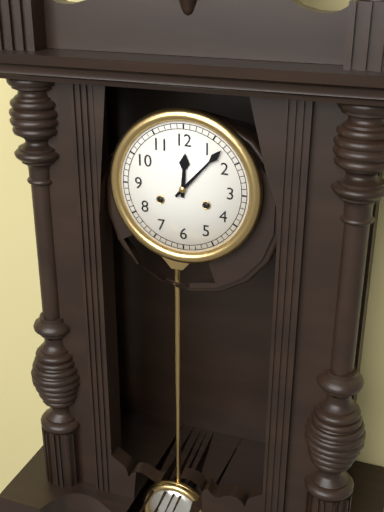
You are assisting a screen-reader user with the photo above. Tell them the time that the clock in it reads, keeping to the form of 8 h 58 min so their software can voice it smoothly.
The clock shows 12 h 07 min
